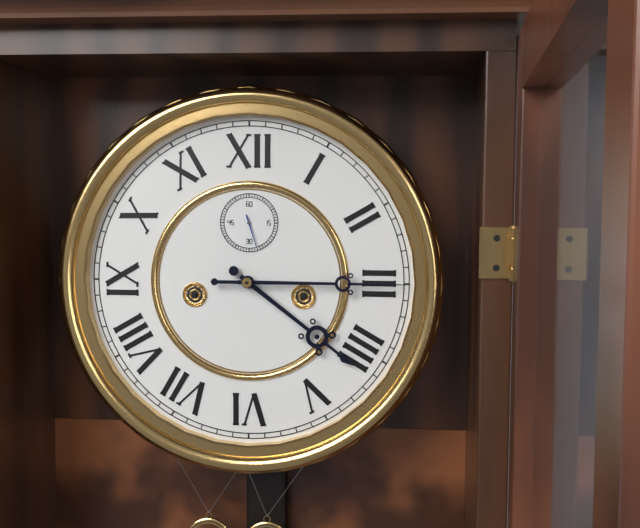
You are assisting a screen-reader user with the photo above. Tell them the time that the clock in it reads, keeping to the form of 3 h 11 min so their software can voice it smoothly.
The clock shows 4 h 15 min
